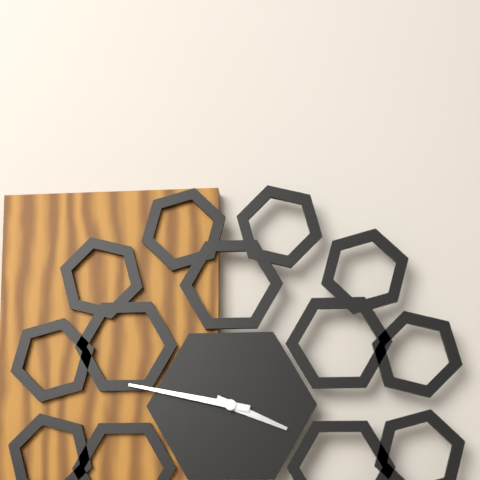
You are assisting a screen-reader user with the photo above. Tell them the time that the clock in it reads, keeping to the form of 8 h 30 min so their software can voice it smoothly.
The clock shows 3 h 47 min
